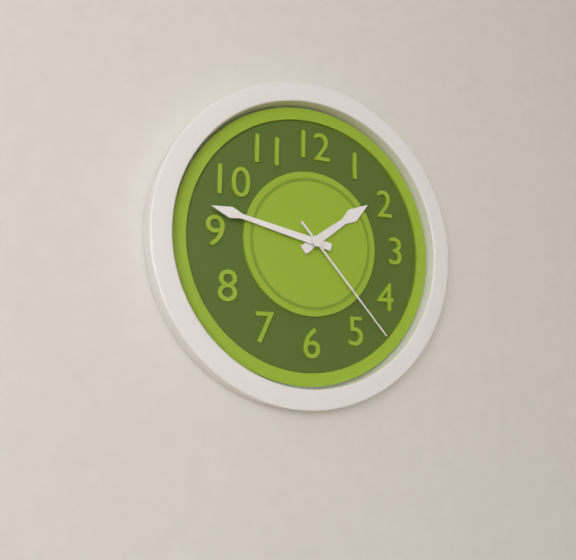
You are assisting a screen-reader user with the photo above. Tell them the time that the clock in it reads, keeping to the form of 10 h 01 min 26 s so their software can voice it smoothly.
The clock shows 1 h 47 min 23 s
